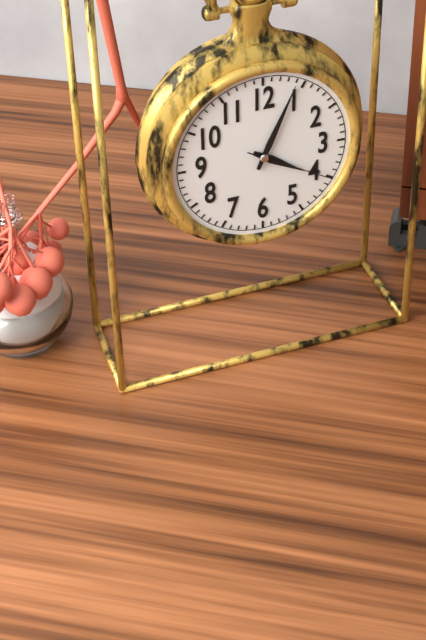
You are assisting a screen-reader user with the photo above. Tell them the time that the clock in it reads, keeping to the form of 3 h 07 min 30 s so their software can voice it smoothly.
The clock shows 4 h 04 min 20 s
